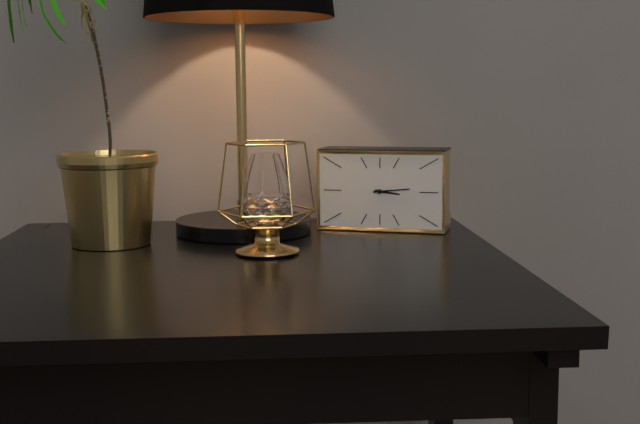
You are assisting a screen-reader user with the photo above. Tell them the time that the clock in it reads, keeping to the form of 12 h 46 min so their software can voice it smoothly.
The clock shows 3 h 14 min
